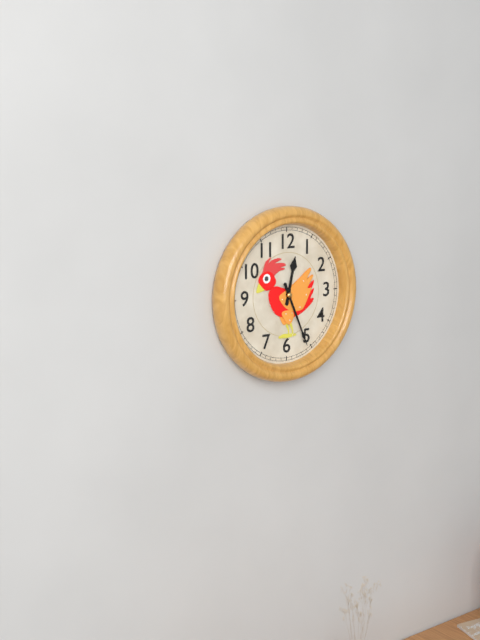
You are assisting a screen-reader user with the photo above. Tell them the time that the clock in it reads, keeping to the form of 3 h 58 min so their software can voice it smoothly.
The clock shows 12 h 26 min
